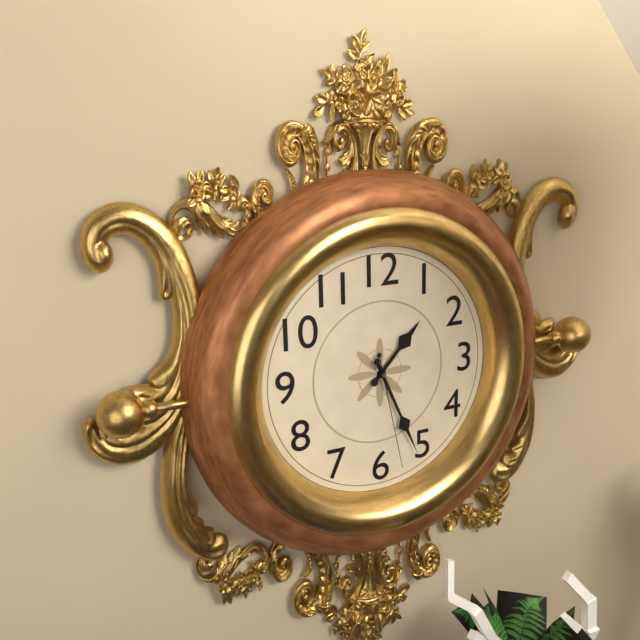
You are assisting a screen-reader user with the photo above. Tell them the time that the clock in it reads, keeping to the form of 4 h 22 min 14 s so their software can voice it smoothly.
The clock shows 1 h 26 min 28 s
